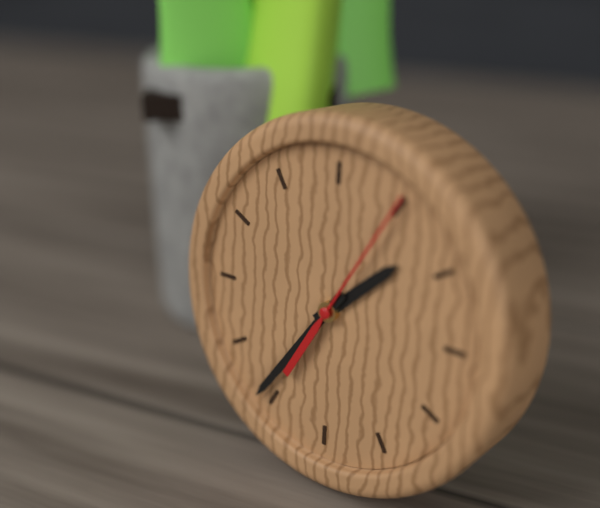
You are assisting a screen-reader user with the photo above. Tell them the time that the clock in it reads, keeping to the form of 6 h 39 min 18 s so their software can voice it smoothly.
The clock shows 1 h 36 min 05 s
